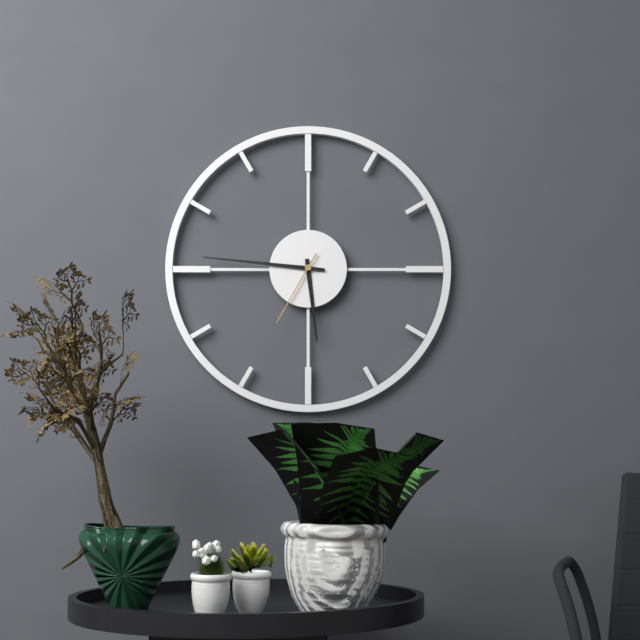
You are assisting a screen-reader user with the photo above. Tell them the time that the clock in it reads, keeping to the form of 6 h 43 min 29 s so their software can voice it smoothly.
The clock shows 5 h 46 min 35 s
